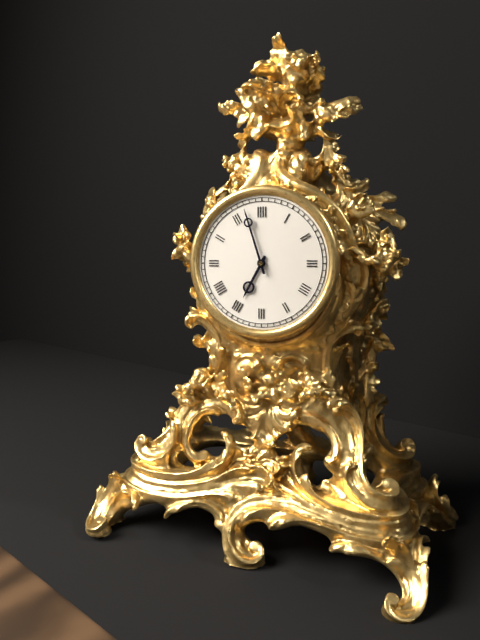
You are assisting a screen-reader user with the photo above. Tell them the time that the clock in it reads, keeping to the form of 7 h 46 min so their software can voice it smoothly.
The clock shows 6 h 57 min
